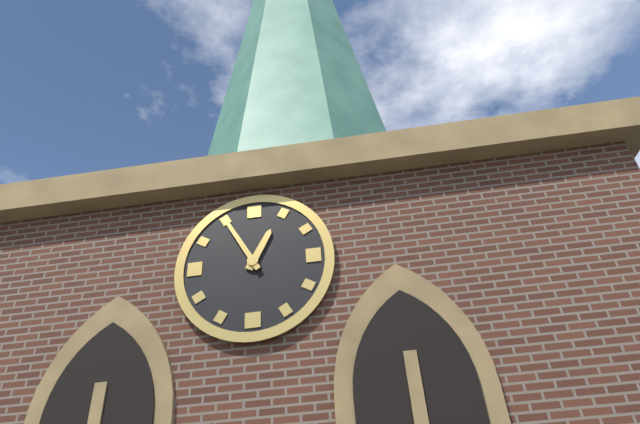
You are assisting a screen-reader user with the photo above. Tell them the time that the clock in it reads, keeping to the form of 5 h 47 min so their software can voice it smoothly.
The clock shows 12 h 55 min
